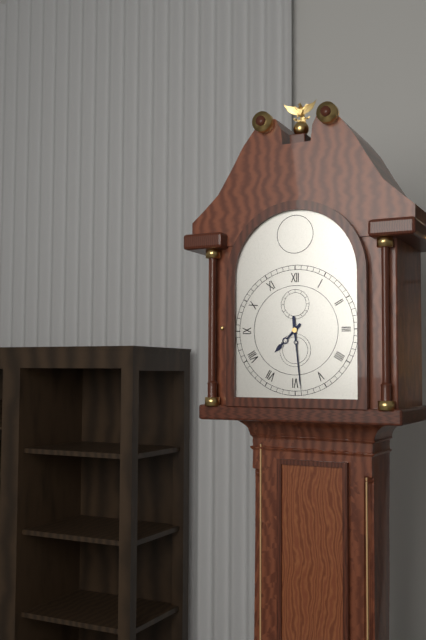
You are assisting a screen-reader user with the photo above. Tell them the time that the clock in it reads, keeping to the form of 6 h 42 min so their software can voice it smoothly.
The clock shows 7 h 29 min
